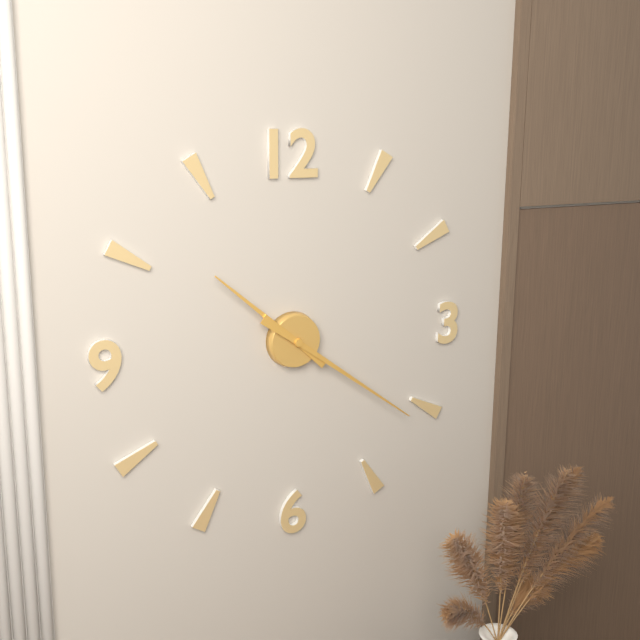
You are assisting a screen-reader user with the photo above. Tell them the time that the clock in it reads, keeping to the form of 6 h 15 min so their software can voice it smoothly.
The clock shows 10 h 21 min
